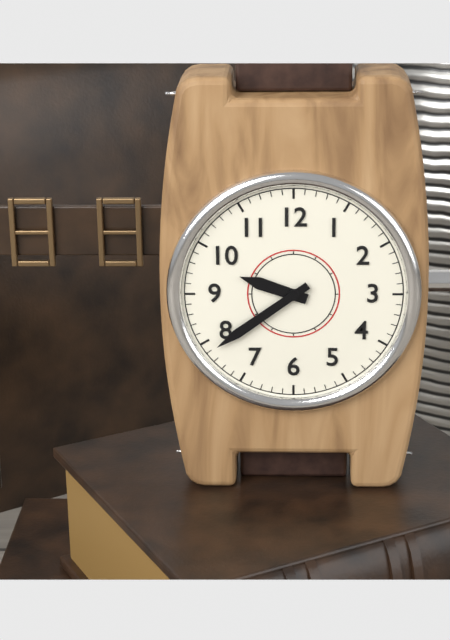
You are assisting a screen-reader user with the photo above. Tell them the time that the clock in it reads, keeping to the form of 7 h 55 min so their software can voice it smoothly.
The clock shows 9 h 39 min
